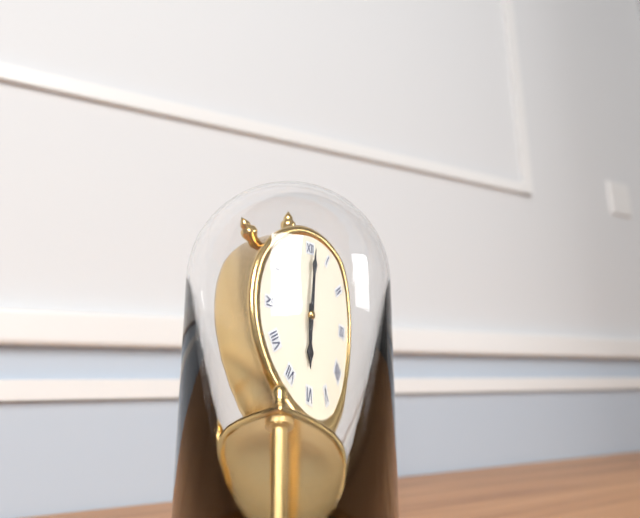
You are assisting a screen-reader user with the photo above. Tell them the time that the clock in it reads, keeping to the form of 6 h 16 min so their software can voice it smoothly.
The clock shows 6 h 01 min
